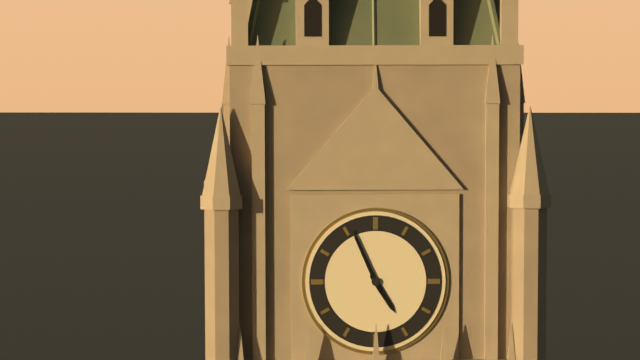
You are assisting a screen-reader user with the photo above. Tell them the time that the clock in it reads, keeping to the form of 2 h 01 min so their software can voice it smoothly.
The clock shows 4 h 56 min
